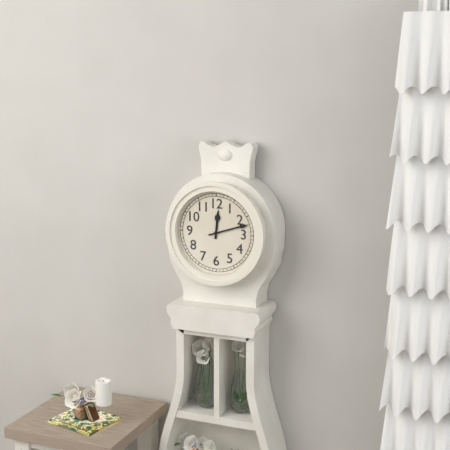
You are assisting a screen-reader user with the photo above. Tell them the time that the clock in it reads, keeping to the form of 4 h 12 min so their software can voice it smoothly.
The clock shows 12 h 12 min
